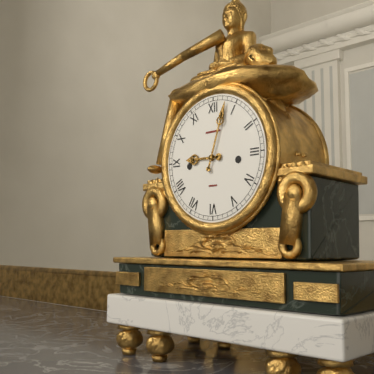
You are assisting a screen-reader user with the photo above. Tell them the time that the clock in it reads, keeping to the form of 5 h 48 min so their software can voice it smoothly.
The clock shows 9 h 03 min
